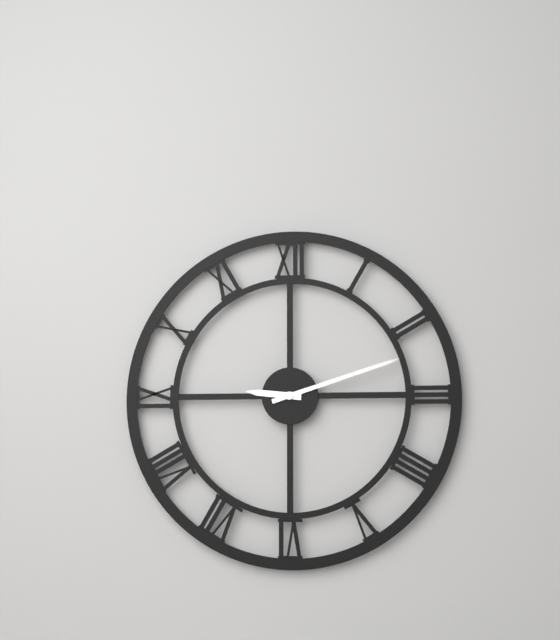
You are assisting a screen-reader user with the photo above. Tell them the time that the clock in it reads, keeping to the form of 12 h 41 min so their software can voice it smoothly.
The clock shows 9 h 12 min
